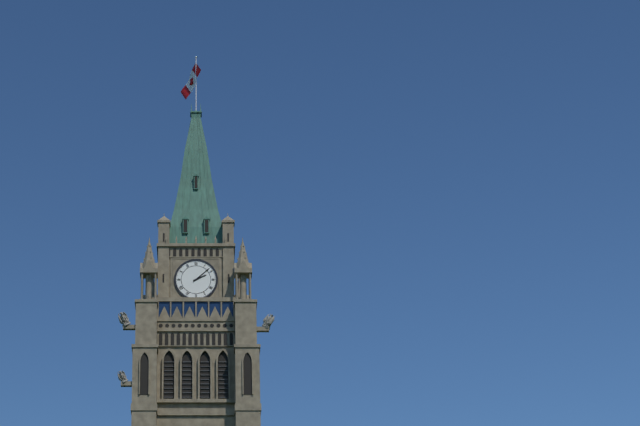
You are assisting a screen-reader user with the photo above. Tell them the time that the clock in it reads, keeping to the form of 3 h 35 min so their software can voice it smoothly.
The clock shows 2 h 08 min
